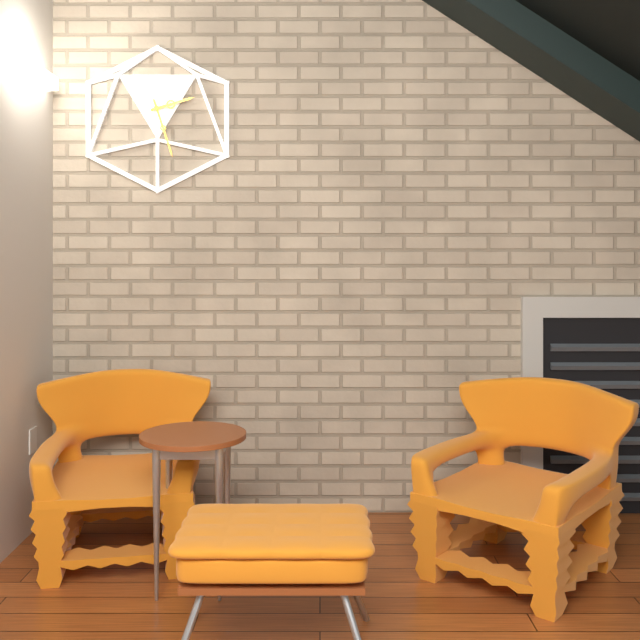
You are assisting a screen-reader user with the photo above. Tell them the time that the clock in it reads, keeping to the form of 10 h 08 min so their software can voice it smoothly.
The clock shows 2 h 27 min
